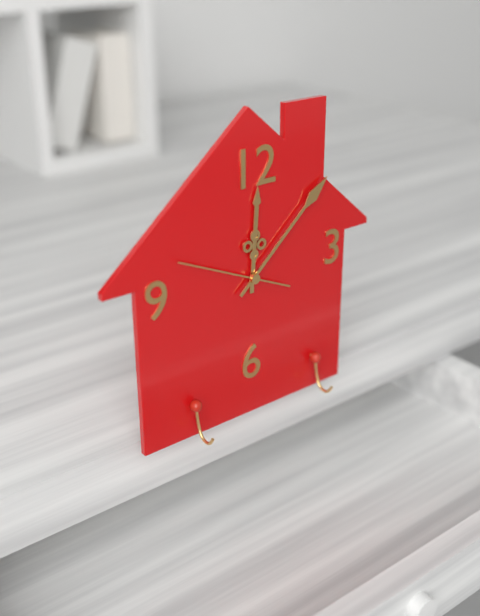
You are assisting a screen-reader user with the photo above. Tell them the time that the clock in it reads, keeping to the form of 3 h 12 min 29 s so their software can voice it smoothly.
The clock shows 12 h 08 min 49 s
